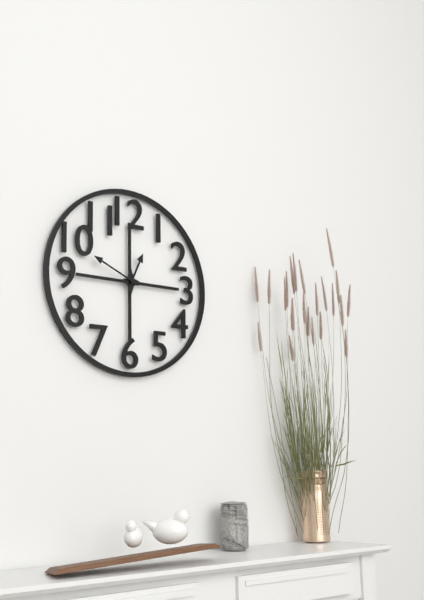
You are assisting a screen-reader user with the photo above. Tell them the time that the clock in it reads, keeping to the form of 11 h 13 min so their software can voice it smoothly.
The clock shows 12 h 49 min
